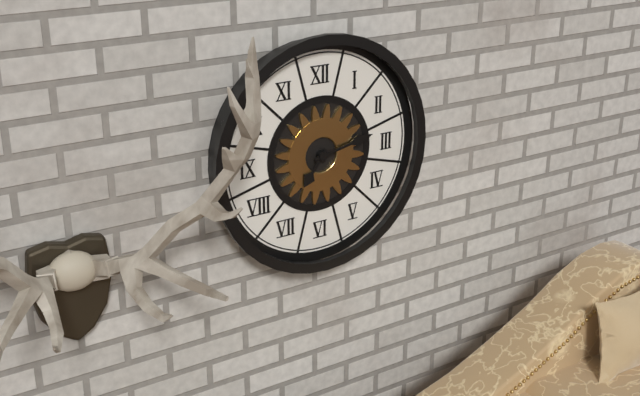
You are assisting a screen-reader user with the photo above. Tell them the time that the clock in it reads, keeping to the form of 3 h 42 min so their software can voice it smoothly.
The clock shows 7 h 13 min
